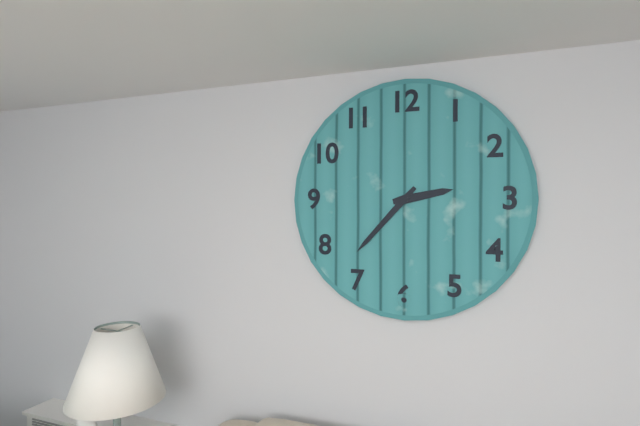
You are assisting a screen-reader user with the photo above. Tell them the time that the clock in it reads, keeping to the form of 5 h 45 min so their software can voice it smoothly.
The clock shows 2 h 37 min
